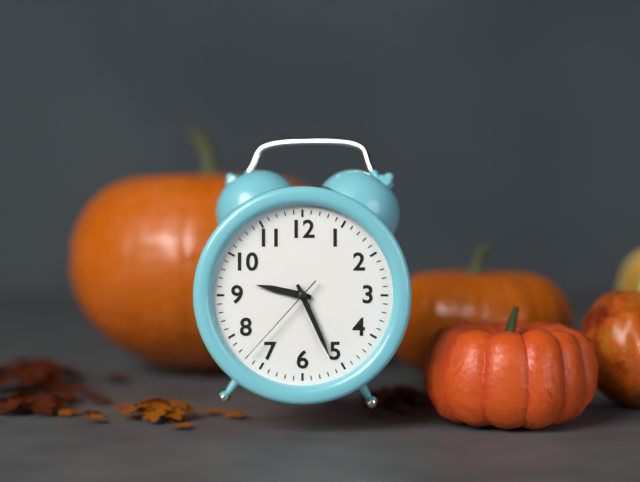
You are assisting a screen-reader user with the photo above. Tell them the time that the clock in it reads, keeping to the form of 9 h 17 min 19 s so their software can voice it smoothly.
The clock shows 9 h 26 min 37 s
